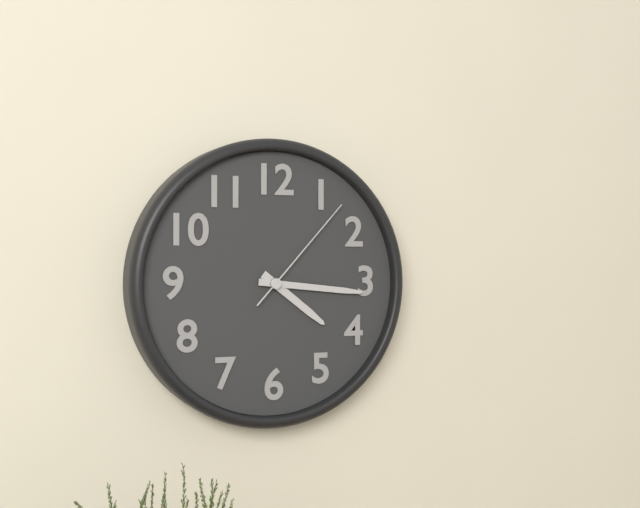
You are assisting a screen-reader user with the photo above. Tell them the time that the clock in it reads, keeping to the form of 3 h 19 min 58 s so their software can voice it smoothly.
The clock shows 4 h 16 min 07 s
